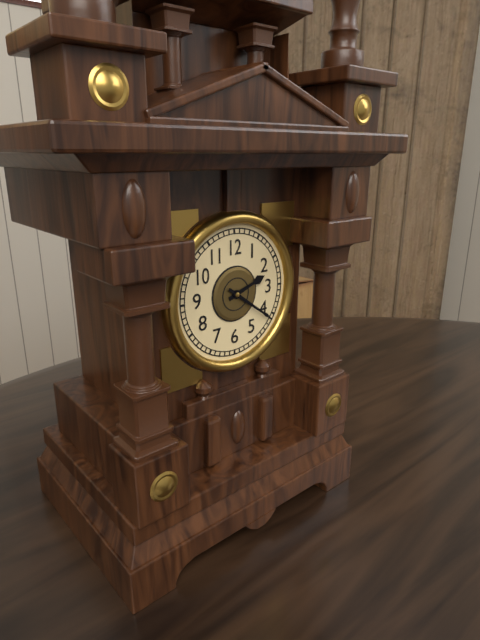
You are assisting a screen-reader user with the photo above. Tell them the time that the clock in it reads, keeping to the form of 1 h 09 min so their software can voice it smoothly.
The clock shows 2 h 21 min
